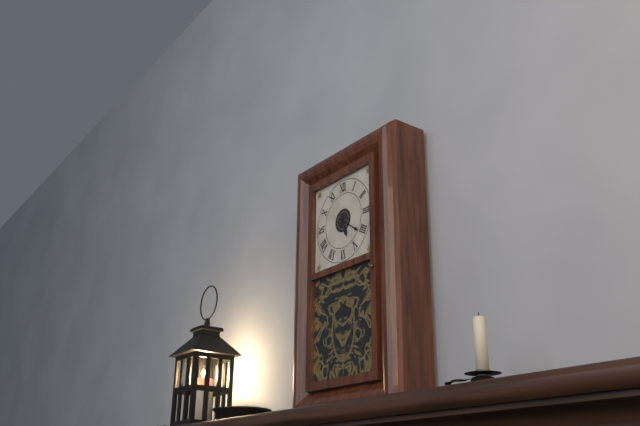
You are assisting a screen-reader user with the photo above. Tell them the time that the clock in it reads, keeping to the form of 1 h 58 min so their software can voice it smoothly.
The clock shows 5 h 21 min
